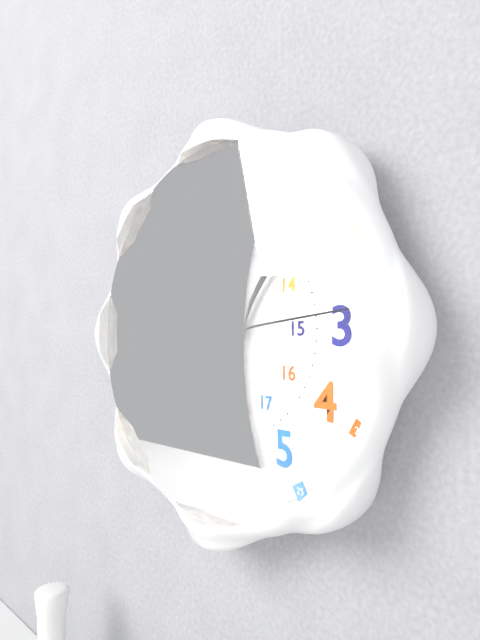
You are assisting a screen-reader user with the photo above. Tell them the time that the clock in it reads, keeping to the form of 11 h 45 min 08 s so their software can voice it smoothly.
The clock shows 7 h 07 min 14 s
